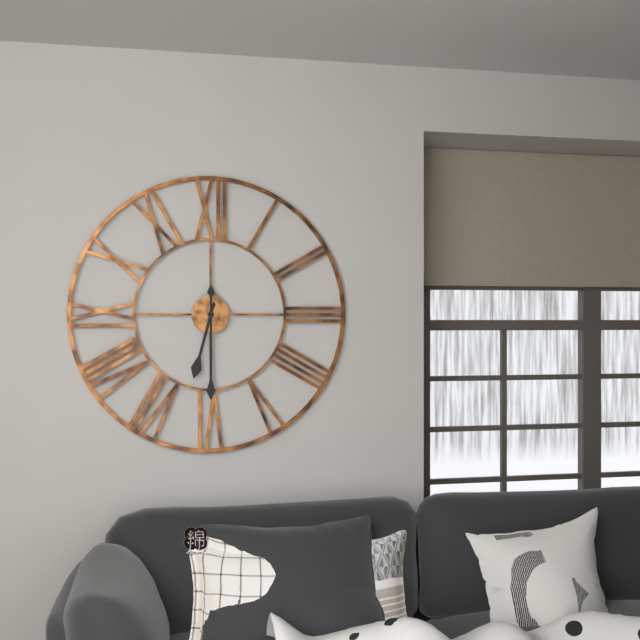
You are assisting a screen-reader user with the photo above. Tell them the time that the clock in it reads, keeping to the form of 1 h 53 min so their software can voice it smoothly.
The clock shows 6 h 30 min
